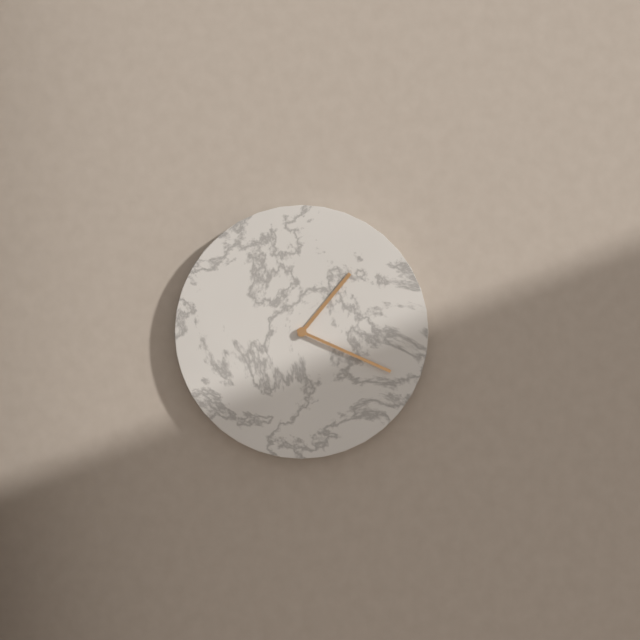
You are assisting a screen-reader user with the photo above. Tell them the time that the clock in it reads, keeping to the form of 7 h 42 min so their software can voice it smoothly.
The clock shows 1 h 19 min
